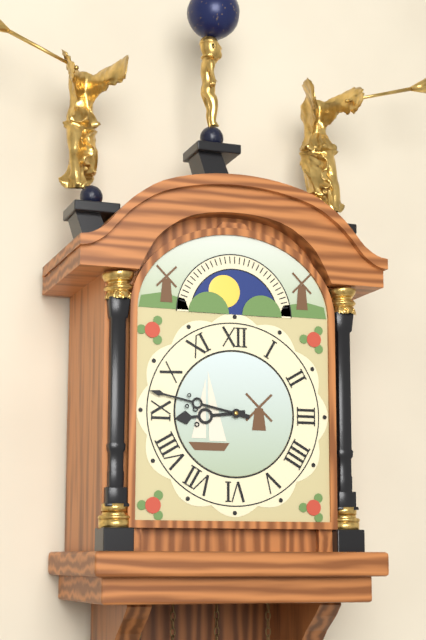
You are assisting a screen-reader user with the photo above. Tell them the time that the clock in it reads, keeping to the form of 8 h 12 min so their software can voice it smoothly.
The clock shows 8 h 47 min
